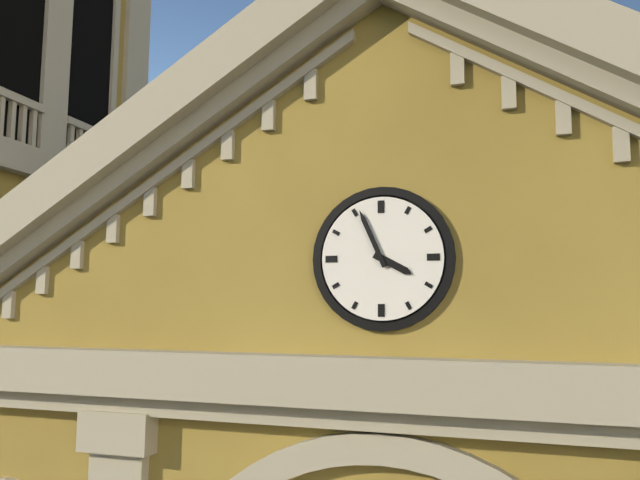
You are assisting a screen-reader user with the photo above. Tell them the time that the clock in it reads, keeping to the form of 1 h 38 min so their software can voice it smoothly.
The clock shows 3 h 56 min
